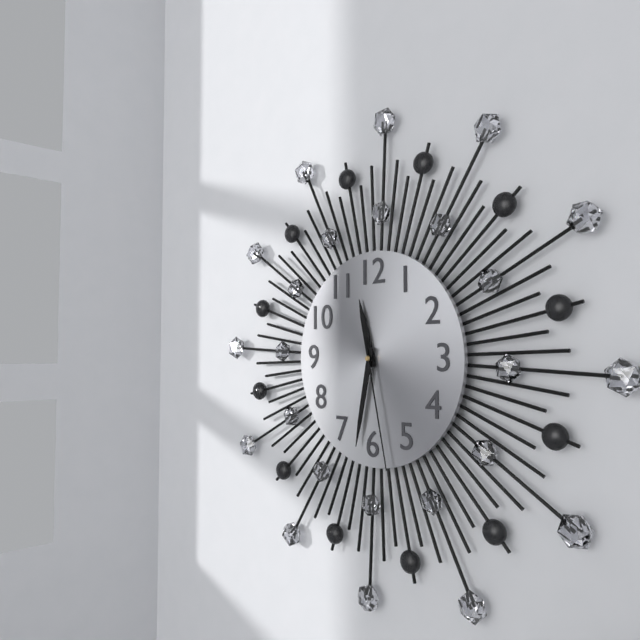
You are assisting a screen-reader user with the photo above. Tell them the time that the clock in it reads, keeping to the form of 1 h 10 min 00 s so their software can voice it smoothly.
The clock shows 11 h 32 min 28 s
